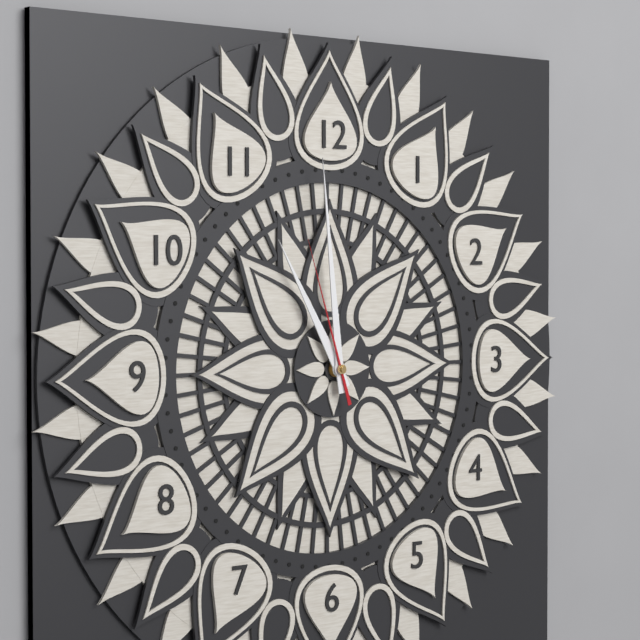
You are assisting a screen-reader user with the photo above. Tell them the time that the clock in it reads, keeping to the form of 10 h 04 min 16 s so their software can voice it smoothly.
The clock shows 10 h 59 min 57 s
